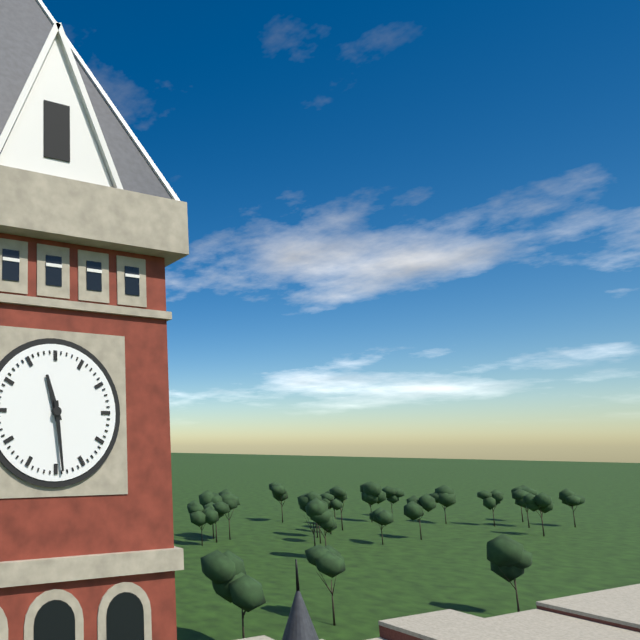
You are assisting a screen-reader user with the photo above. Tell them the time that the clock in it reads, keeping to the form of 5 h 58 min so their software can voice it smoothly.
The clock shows 11 h 29 min
